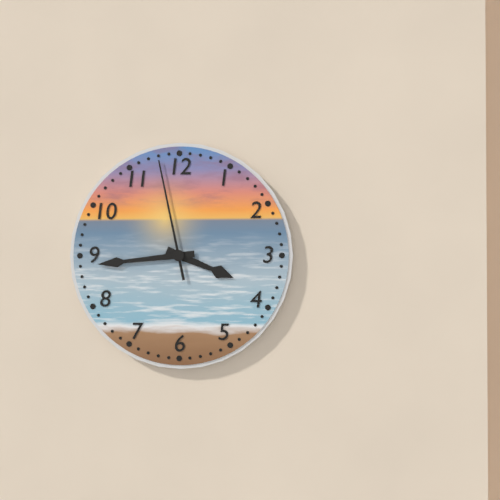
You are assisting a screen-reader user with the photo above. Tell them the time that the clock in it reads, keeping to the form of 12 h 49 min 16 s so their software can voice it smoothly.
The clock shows 3 h 44 min 58 s
